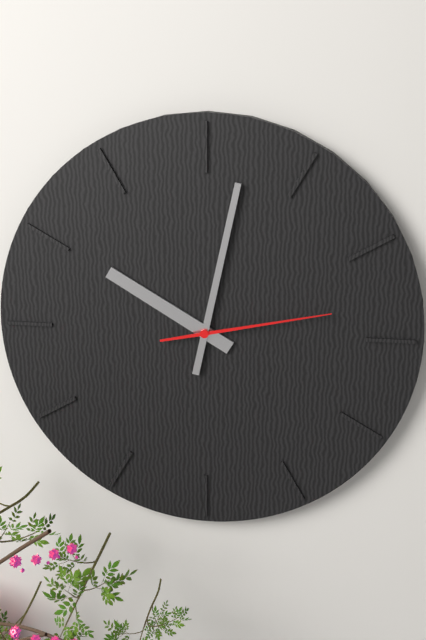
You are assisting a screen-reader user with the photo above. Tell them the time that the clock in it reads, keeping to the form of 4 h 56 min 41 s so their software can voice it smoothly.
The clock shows 10 h 02 min 13 s
